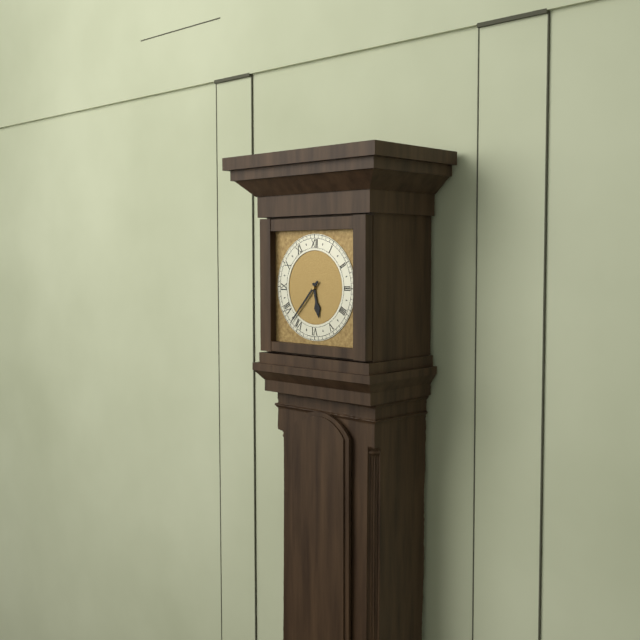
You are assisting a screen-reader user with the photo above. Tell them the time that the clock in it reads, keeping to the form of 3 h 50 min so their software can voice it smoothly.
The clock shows 5 h 37 min
